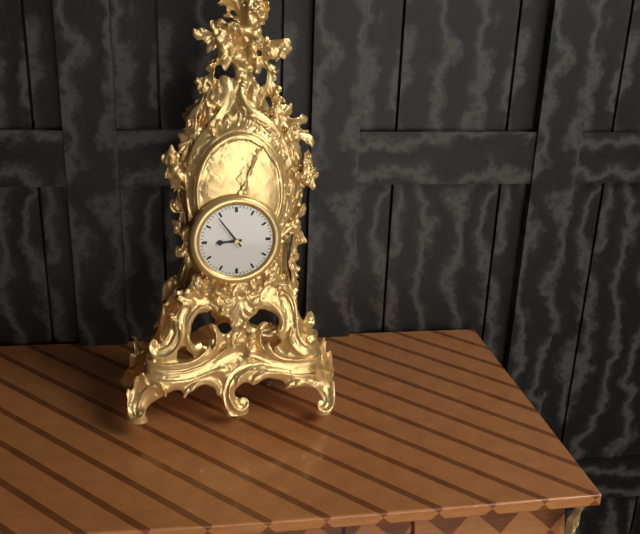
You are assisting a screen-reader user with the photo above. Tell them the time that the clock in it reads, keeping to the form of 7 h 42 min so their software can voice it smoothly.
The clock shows 8 h 54 min
